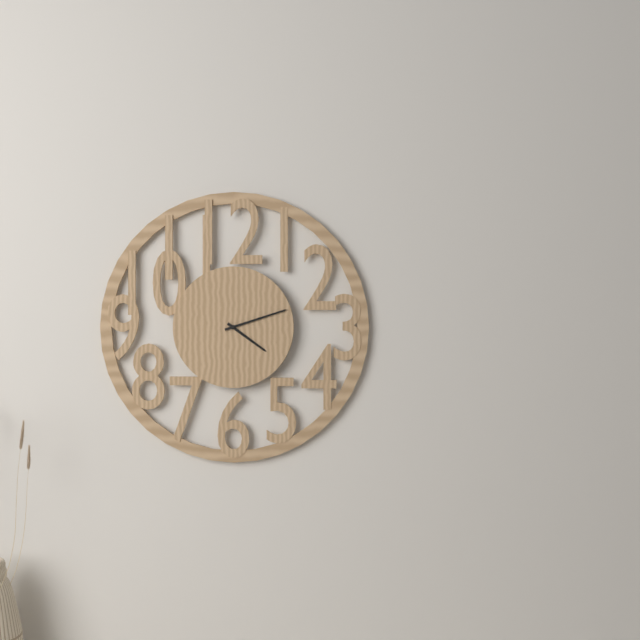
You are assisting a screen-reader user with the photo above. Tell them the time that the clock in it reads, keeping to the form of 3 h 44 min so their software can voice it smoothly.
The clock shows 4 h 12 min
